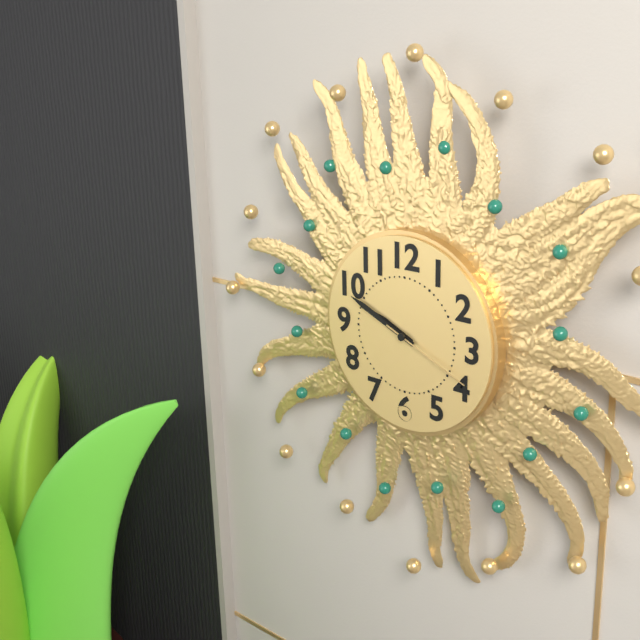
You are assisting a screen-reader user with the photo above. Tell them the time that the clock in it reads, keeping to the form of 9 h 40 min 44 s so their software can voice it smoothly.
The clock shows 9 h 49 min 19 s
